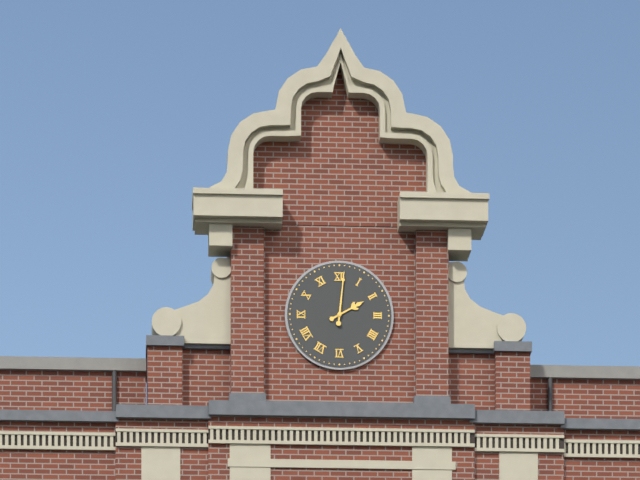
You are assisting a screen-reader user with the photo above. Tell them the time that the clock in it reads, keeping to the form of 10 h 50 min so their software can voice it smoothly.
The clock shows 2 h 01 min
